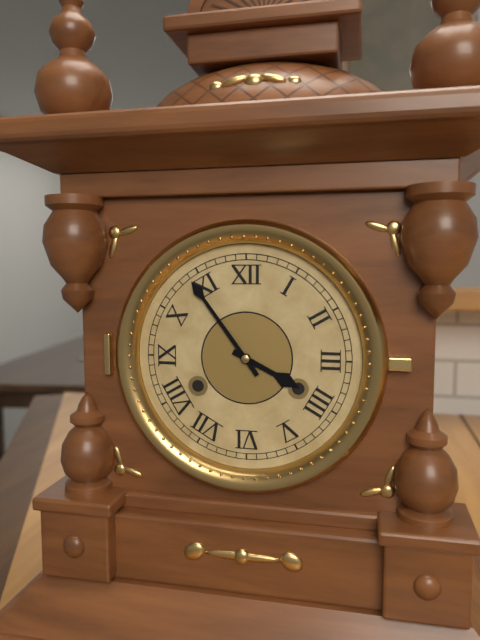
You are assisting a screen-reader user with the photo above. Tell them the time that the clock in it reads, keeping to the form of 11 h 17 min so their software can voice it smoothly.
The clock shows 3 h 54 min
